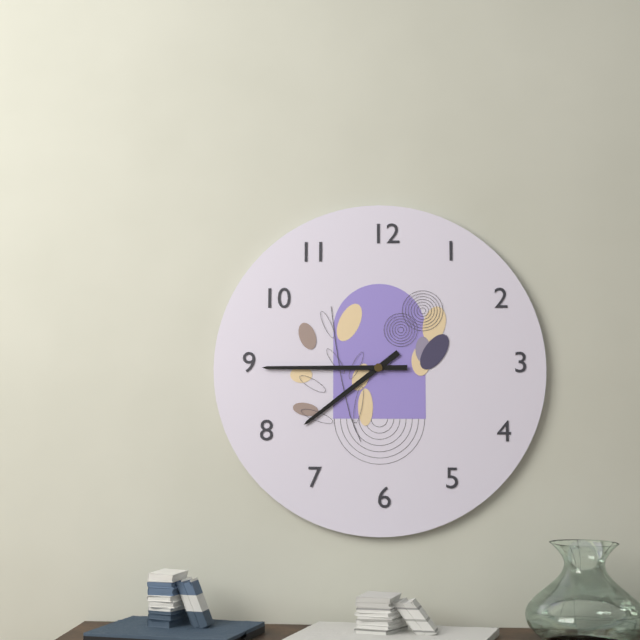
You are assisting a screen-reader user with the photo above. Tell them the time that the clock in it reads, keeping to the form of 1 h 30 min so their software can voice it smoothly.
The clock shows 7 h 45 min
